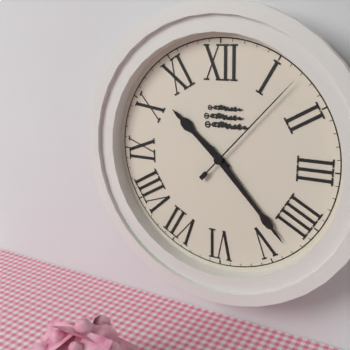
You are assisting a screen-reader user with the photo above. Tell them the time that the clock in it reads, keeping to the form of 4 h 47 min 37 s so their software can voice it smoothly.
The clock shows 10 h 23 min 07 s
